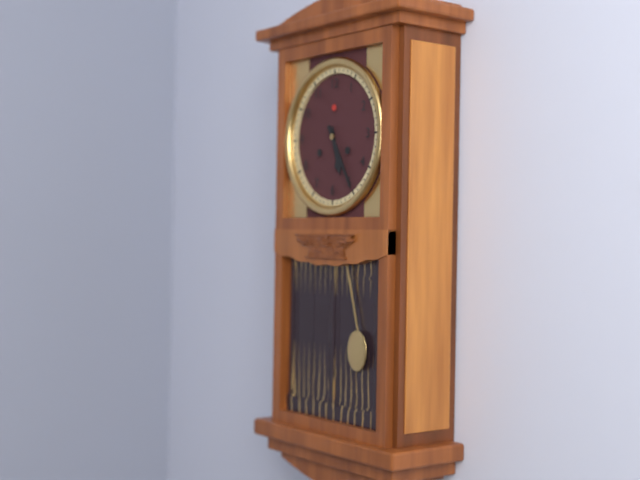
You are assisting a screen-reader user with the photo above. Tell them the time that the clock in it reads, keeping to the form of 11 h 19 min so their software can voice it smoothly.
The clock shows 5 h 25 min
